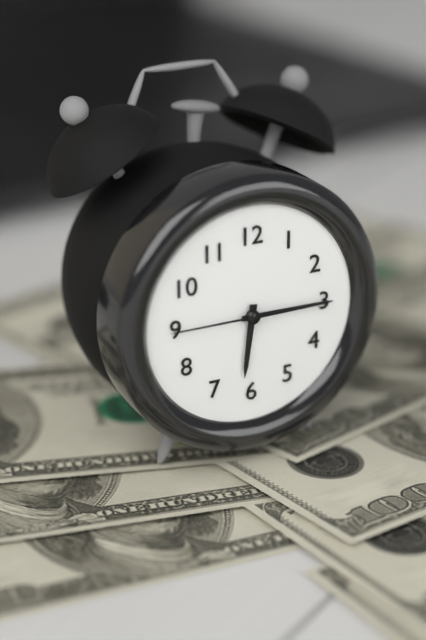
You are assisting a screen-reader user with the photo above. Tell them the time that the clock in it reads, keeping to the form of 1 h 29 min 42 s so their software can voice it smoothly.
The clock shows 6 h 15 min 45 s
